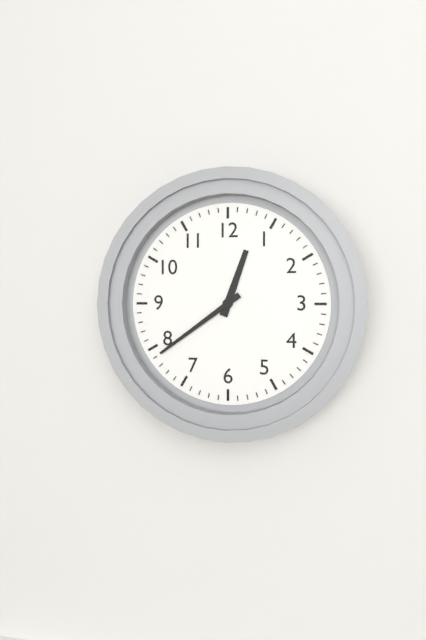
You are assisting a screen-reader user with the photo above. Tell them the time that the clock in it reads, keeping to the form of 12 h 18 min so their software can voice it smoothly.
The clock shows 12 h 39 min
